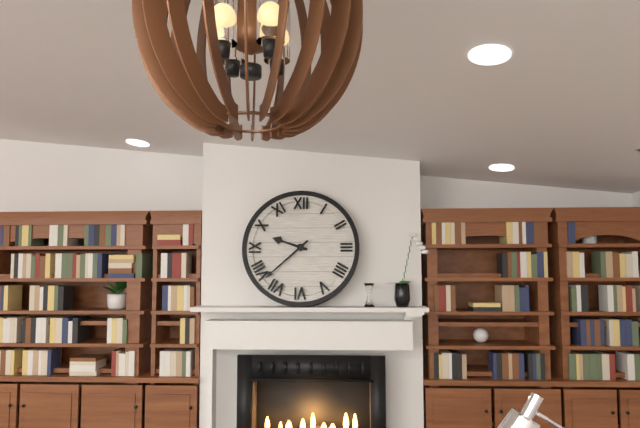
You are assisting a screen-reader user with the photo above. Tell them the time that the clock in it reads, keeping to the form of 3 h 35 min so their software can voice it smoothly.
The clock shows 9 h 38 min
